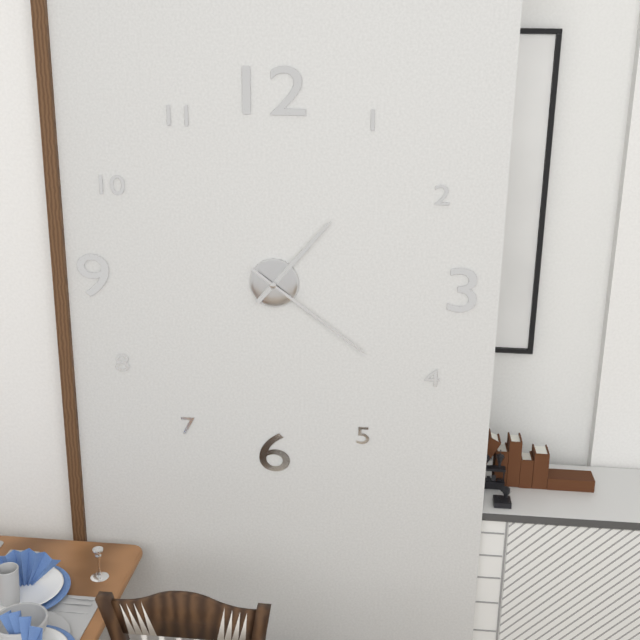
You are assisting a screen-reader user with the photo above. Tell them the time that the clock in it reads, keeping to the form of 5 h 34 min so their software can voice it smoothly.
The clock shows 1 h 21 min
